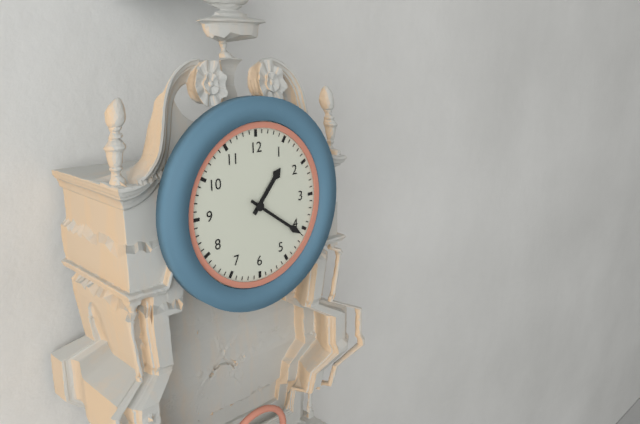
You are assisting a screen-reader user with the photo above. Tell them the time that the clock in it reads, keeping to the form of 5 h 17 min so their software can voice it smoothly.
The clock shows 1 h 21 min
